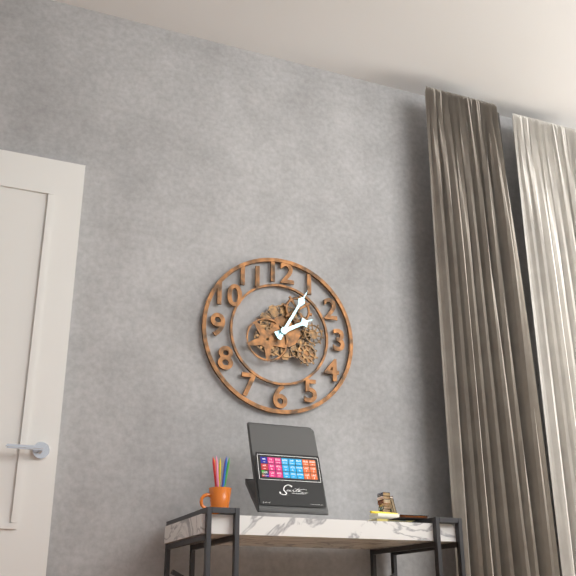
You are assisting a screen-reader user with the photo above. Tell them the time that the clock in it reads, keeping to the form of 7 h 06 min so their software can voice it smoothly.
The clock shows 2 h 05 min
